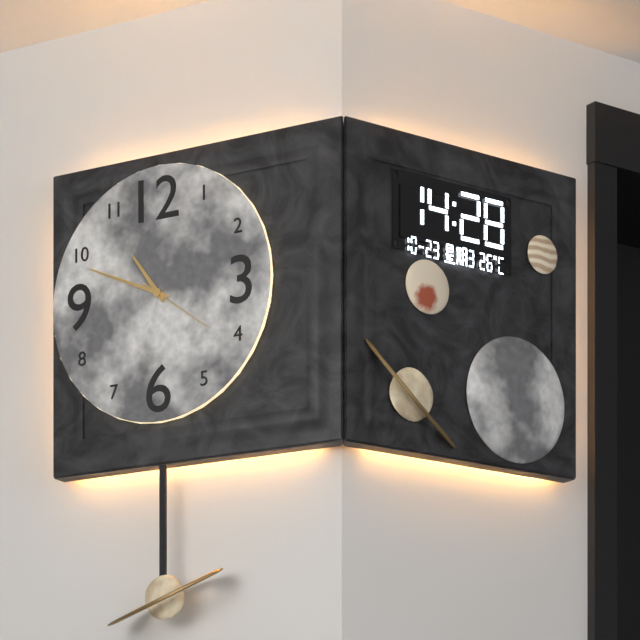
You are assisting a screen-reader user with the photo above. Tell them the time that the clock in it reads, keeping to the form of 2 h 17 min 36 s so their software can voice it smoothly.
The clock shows 10 h 49 min 21 s
